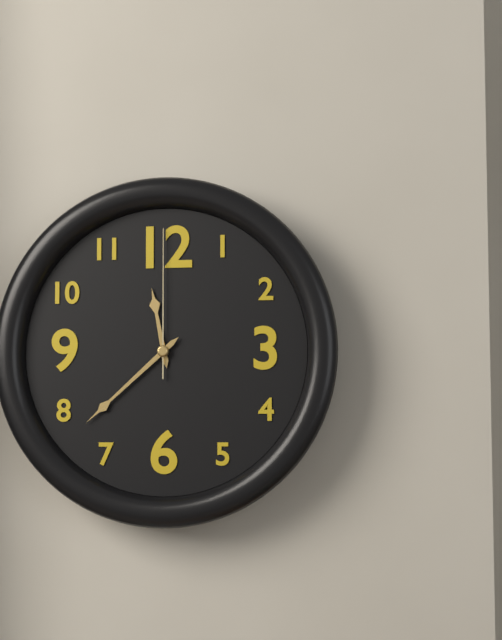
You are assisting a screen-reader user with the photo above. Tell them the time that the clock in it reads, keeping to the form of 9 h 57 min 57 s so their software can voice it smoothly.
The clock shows 11 h 38 min 00 s
